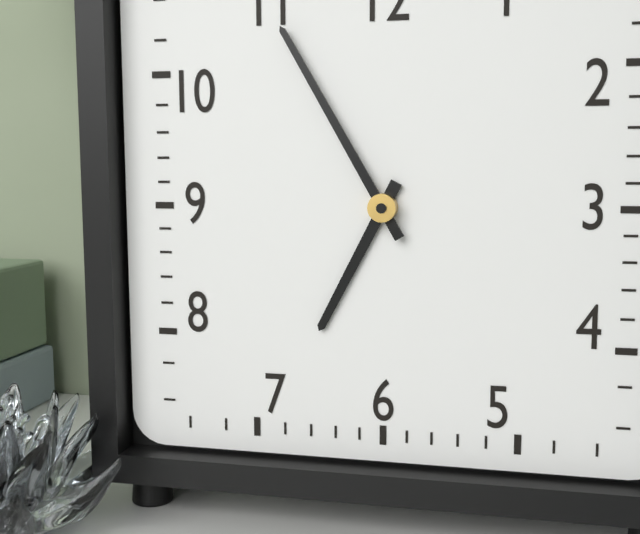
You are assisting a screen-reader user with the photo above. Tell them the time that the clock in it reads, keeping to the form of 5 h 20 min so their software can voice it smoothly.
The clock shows 6 h 55 min
